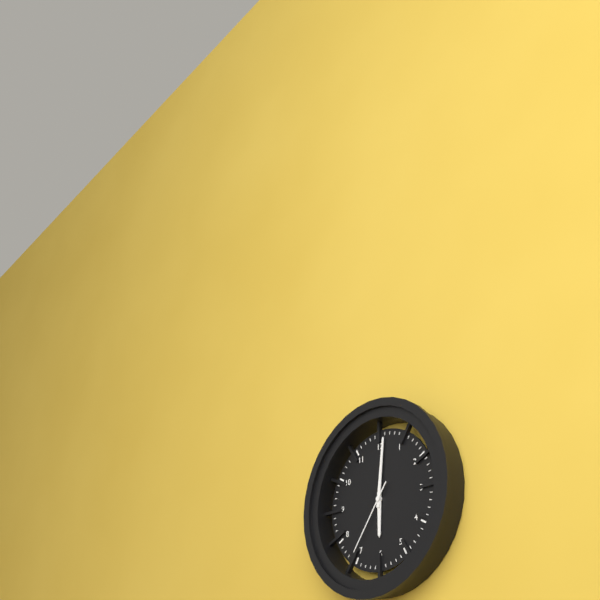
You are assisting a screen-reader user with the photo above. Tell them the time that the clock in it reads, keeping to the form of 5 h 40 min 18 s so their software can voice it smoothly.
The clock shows 6 h 01 min 36 s
